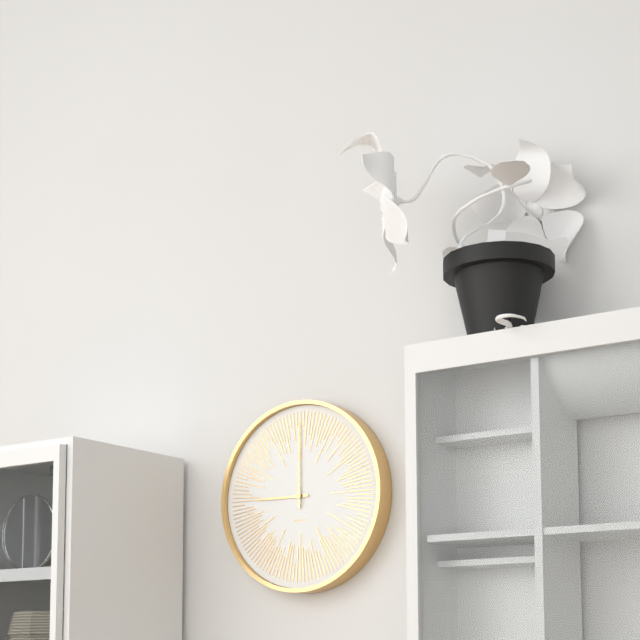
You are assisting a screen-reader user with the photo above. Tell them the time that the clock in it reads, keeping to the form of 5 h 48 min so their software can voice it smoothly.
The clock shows 9 h 00 min
